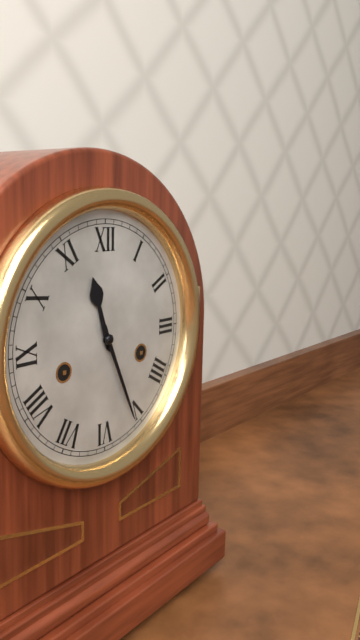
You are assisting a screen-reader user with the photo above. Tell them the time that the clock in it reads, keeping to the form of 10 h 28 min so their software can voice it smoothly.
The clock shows 11 h 26 min
